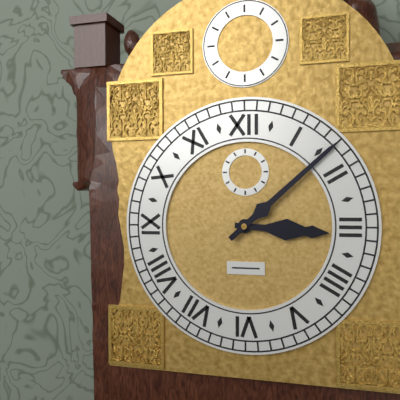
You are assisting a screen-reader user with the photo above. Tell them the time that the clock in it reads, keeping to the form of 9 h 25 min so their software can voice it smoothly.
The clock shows 3 h 08 min
